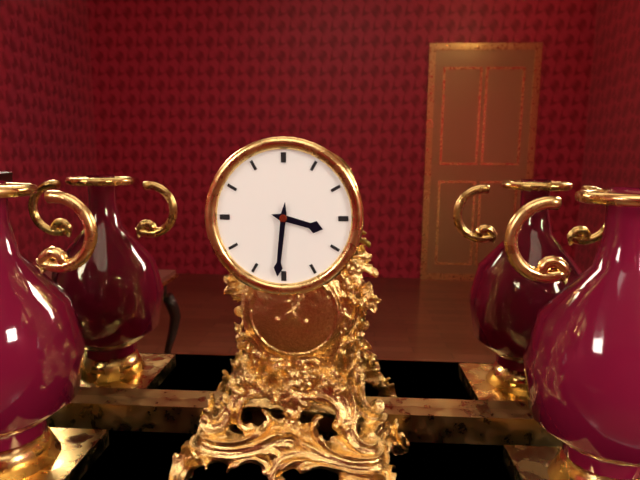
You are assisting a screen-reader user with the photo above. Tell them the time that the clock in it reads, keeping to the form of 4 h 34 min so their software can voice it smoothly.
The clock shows 3 h 31 min
